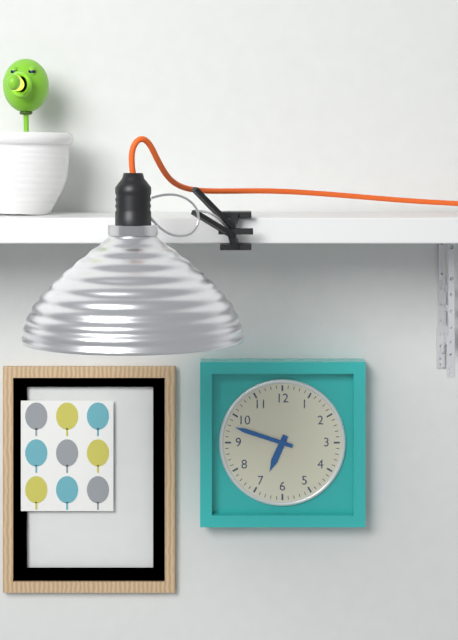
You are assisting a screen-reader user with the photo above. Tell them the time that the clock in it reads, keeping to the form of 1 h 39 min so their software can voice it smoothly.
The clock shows 6 h 48 min
